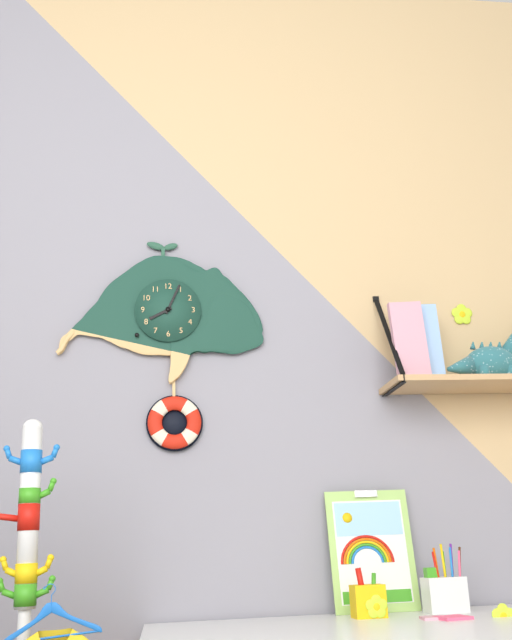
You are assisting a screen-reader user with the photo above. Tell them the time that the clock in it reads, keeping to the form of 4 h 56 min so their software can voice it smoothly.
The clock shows 8 h 04 min
